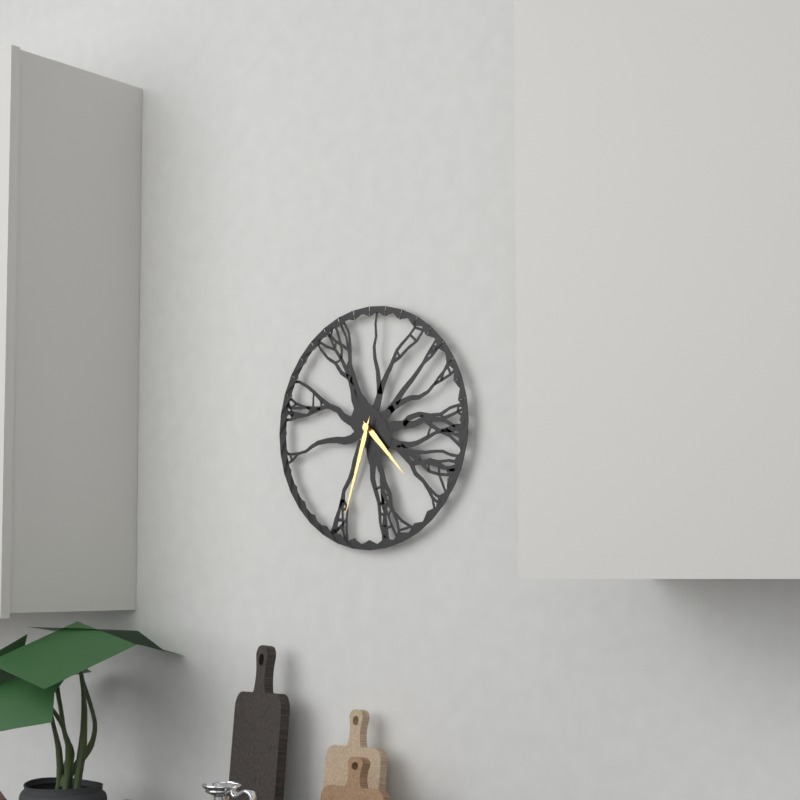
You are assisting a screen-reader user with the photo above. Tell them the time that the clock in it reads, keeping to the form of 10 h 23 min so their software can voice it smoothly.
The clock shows 4 h 33 min
